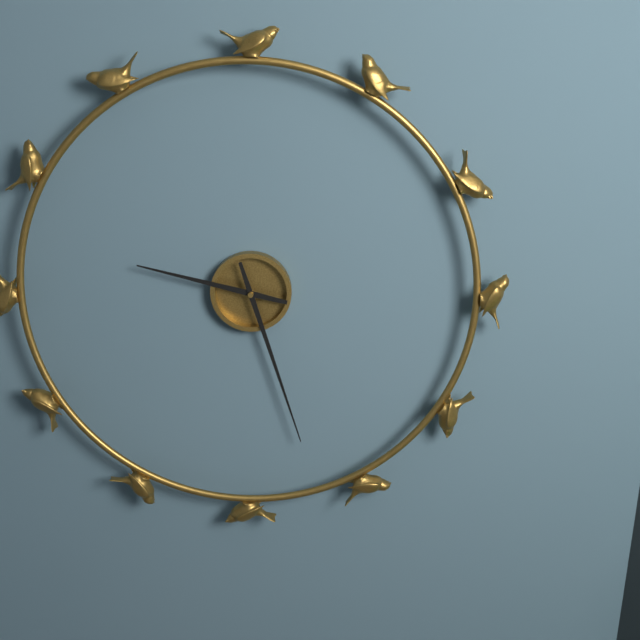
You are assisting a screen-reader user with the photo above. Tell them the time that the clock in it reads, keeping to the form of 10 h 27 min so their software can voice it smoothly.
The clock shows 9 h 27 min
